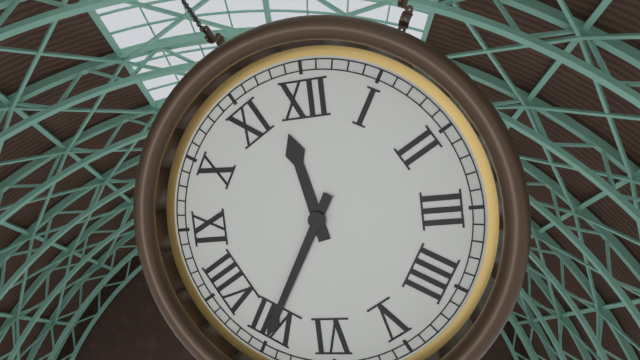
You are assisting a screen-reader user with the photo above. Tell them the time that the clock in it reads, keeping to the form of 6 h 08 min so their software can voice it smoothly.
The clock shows 11 h 35 min
